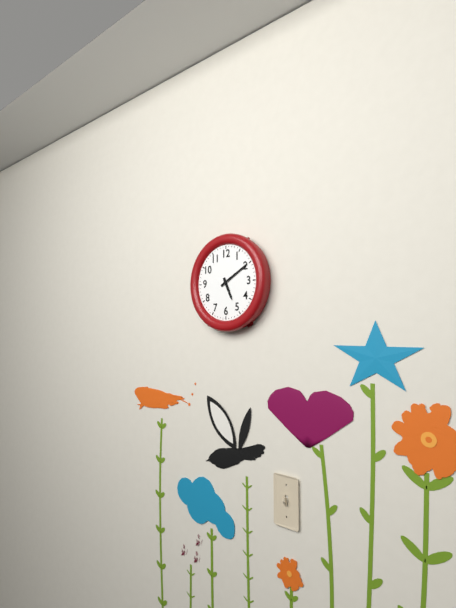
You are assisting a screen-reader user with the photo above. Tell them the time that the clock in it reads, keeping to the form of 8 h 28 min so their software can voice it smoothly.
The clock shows 5 h 10 min
